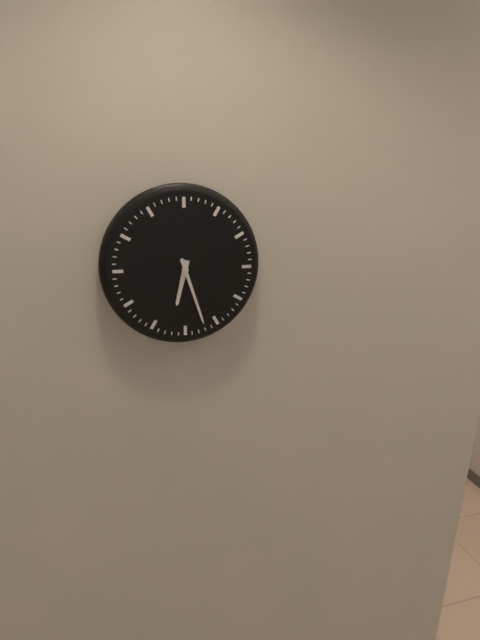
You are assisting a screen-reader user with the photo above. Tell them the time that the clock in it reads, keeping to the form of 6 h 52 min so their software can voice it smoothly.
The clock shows 6 h 27 min
